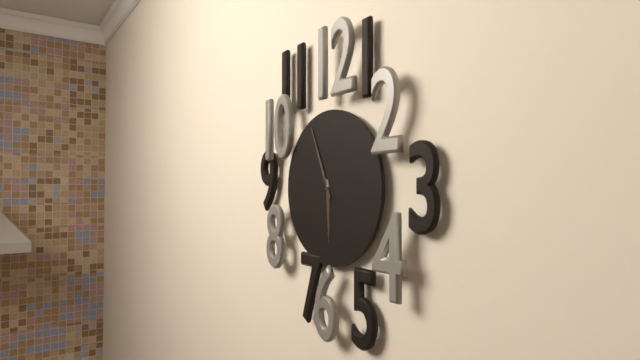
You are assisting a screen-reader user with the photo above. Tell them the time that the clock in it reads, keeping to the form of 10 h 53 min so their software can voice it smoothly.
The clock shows 5 h 56 min
